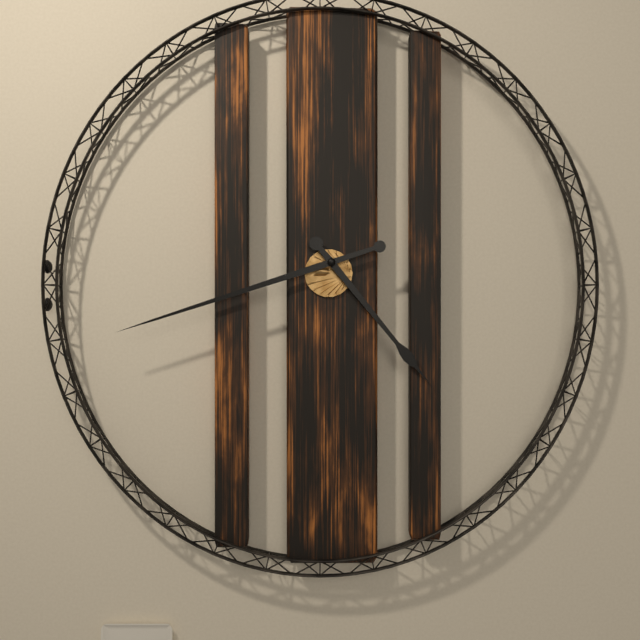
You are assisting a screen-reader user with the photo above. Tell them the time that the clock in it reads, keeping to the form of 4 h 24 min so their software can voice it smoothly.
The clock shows 4 h 42 min
